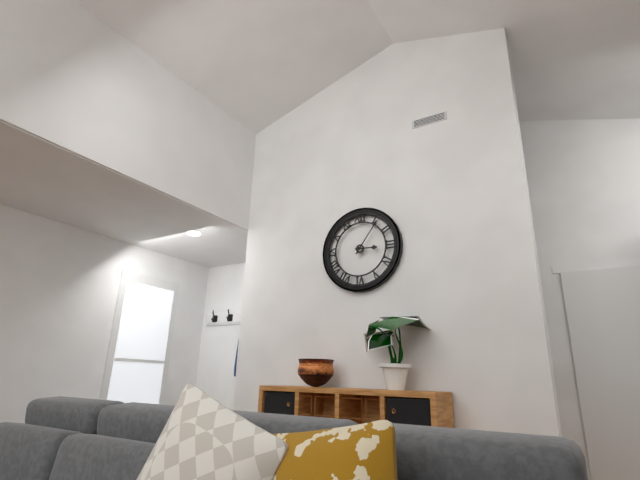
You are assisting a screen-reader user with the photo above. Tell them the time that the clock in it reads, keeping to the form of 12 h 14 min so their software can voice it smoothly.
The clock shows 3 h 06 min
